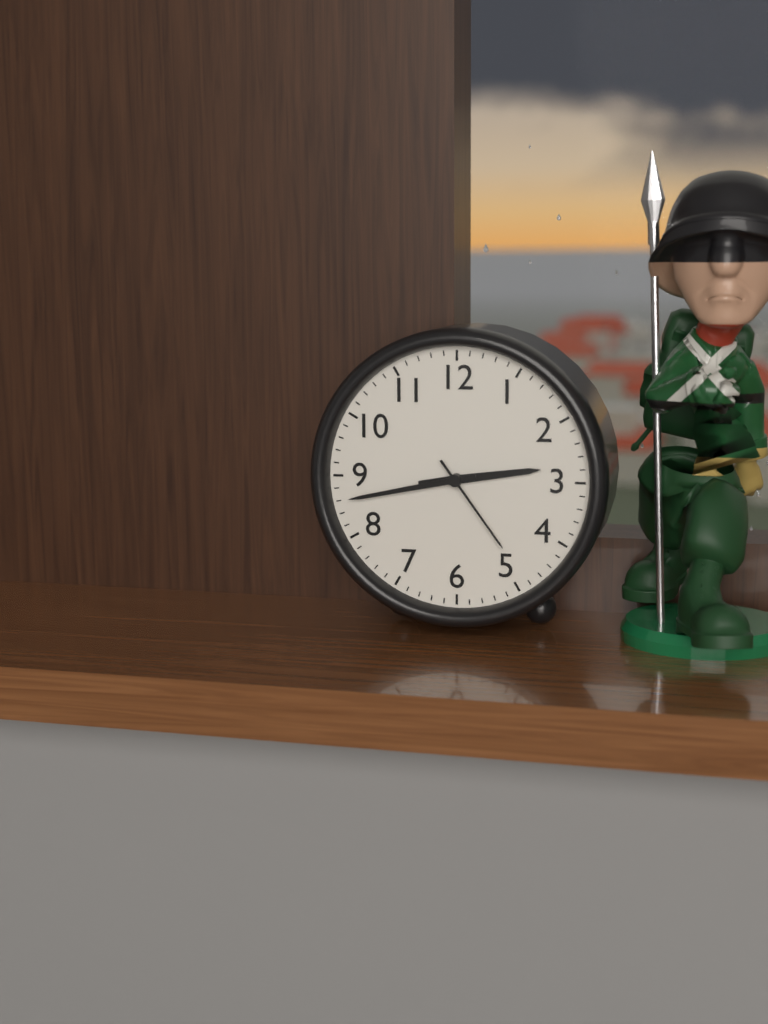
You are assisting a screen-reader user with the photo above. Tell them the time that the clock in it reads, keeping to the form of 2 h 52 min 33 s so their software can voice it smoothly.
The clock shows 2 h 43 min 24 s
